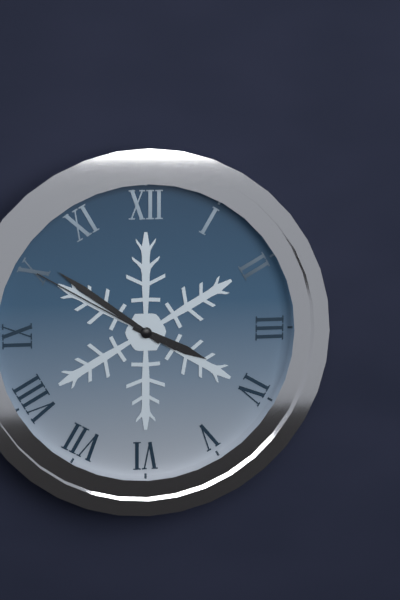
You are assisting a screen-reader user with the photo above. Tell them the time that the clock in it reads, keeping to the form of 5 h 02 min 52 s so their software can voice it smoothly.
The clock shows 3 h 51 min 50 s
